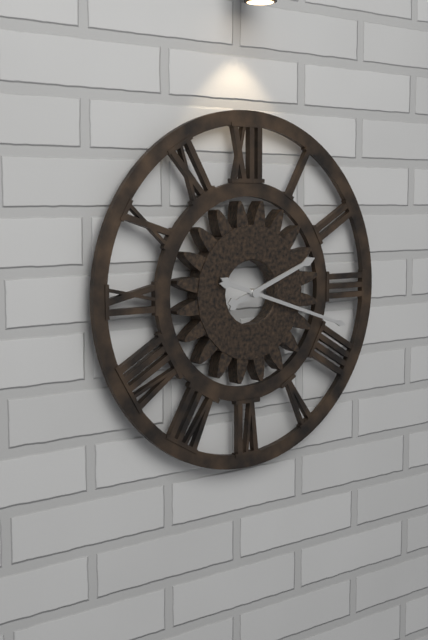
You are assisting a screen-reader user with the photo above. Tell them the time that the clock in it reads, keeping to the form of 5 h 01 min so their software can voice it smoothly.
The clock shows 2 h 18 min
